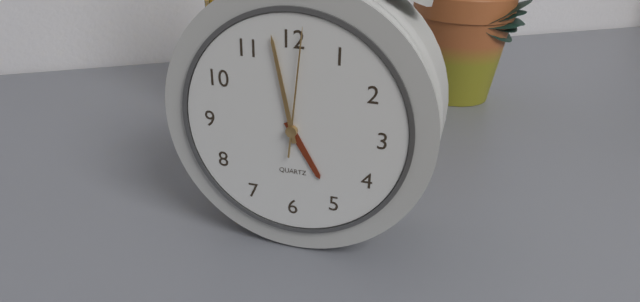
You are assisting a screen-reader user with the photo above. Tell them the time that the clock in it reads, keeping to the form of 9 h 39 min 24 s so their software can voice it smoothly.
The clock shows 4 h 58 min 01 s
